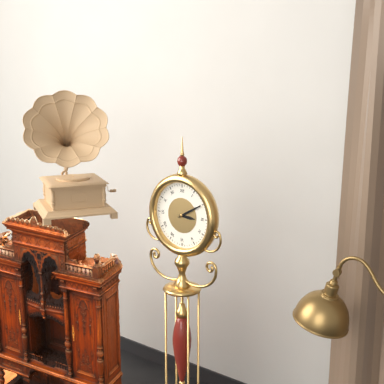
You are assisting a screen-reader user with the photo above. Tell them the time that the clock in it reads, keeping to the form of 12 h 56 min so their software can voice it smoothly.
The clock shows 3 h 10 min
